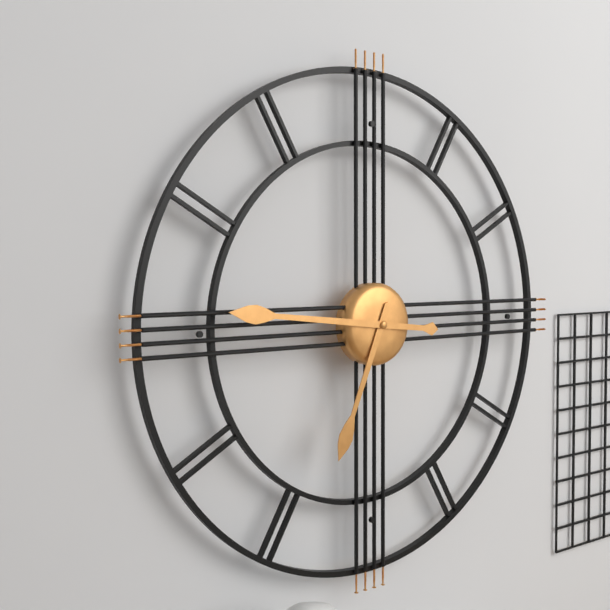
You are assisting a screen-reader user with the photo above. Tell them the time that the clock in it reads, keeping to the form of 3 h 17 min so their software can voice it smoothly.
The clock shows 6 h 46 min
